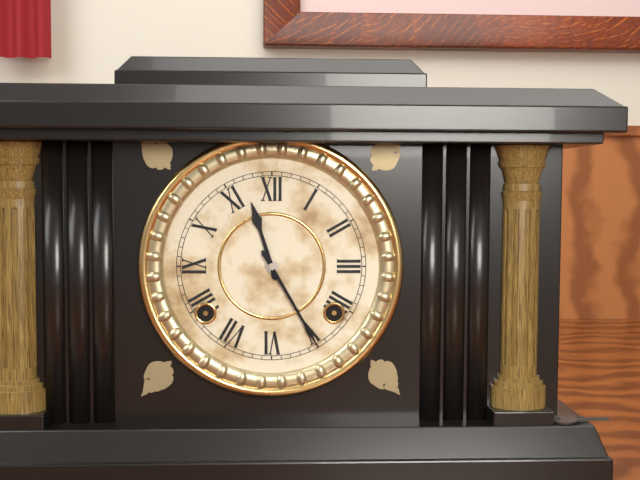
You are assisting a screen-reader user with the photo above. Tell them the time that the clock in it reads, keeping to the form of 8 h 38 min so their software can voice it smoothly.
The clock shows 11 h 25 min
